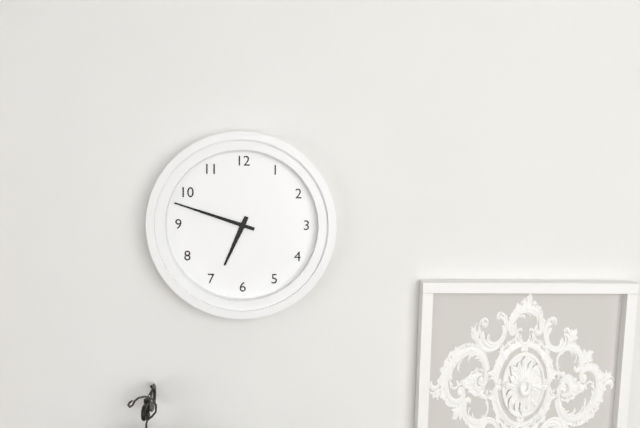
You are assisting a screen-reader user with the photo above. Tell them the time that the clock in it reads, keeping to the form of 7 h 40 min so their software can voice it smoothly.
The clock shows 6 h 48 min
